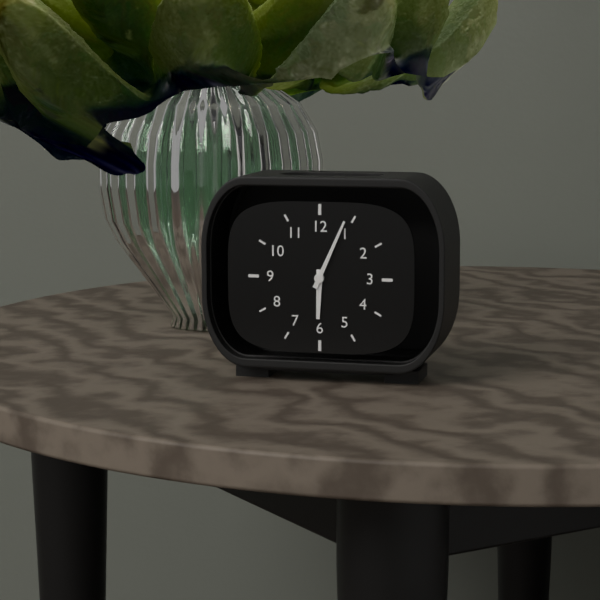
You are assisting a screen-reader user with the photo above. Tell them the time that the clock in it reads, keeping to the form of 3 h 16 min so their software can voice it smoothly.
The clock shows 6 h 04 min
